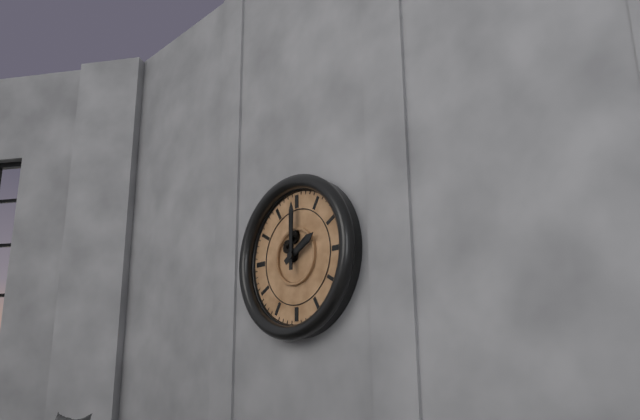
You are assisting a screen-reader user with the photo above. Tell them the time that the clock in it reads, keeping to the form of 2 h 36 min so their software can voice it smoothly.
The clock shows 2 h 00 min
